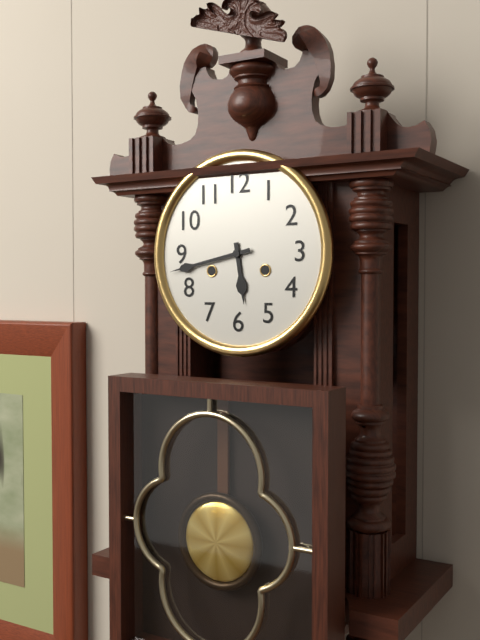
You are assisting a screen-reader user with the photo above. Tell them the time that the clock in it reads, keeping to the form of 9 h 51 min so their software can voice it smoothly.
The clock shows 5 h 43 min
